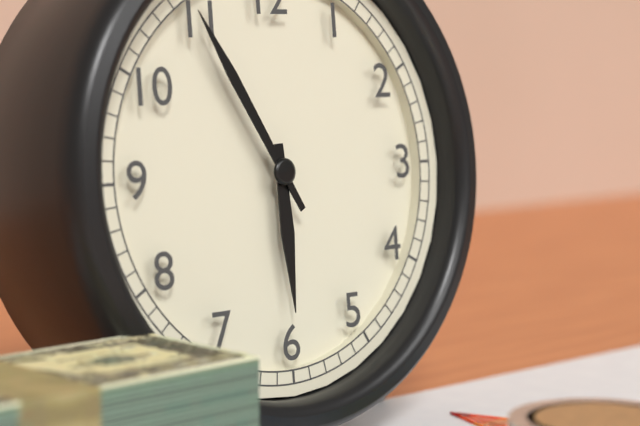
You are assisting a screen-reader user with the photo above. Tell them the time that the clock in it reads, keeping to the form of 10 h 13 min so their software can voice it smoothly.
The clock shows 5 h 55 min
